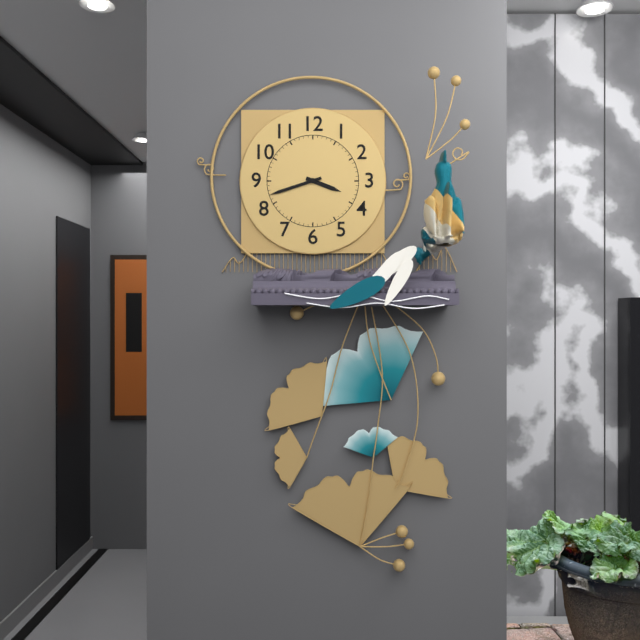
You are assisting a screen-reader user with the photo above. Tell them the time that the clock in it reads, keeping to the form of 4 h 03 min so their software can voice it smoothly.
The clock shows 3 h 42 min
